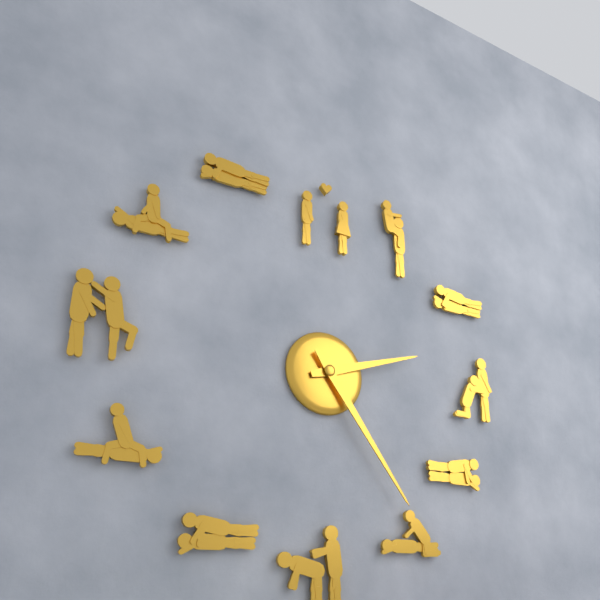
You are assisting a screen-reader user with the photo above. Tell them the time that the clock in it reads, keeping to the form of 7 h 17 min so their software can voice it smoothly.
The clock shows 2 h 24 min
